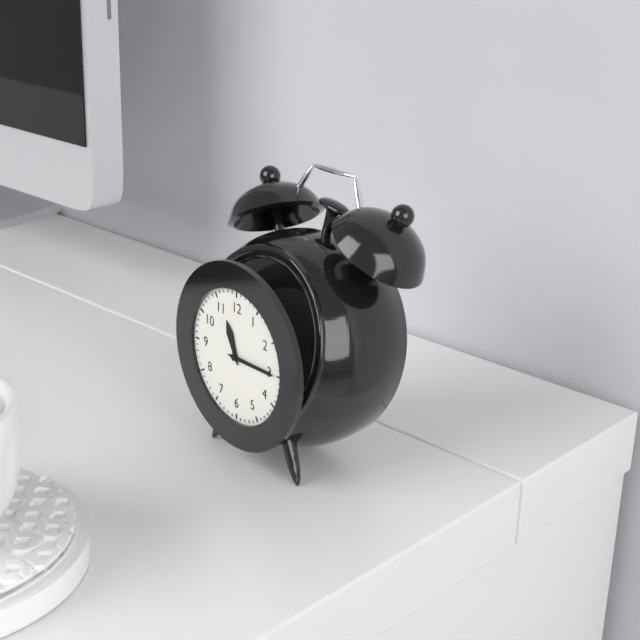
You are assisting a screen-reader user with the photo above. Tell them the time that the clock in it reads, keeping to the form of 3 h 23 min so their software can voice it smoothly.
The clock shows 11 h 15 min
